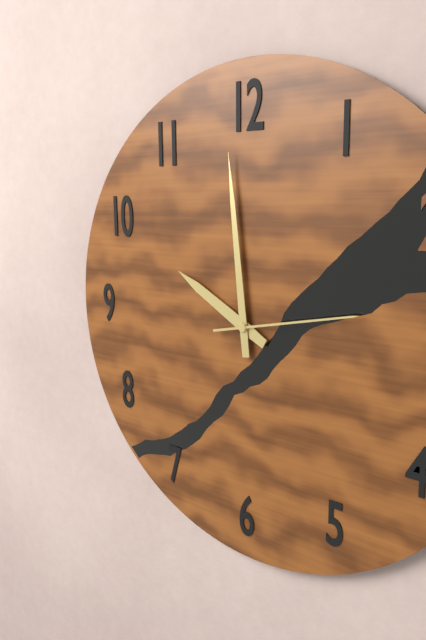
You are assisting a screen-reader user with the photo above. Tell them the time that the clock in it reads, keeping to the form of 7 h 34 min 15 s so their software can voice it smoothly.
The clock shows 9 h 59 min 13 s
